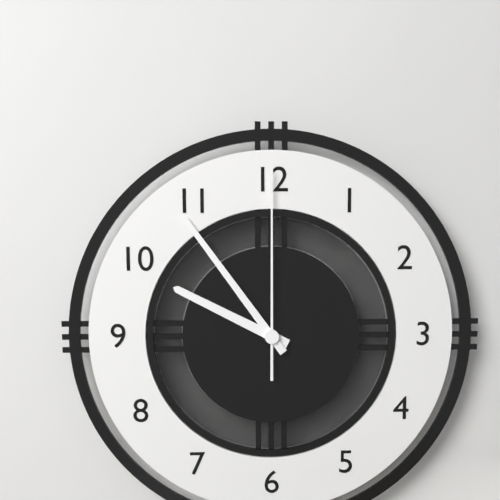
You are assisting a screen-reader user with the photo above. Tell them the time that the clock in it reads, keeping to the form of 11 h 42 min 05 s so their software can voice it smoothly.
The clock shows 9 h 54 min 00 s
